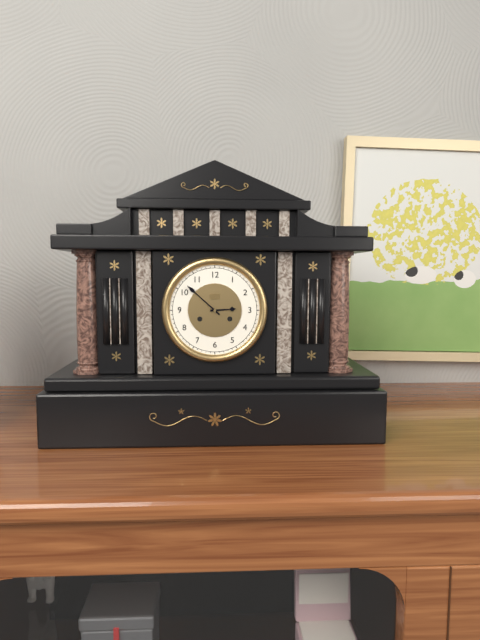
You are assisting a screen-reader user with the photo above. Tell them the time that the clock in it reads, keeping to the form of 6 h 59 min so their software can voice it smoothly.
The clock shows 2 h 52 min
